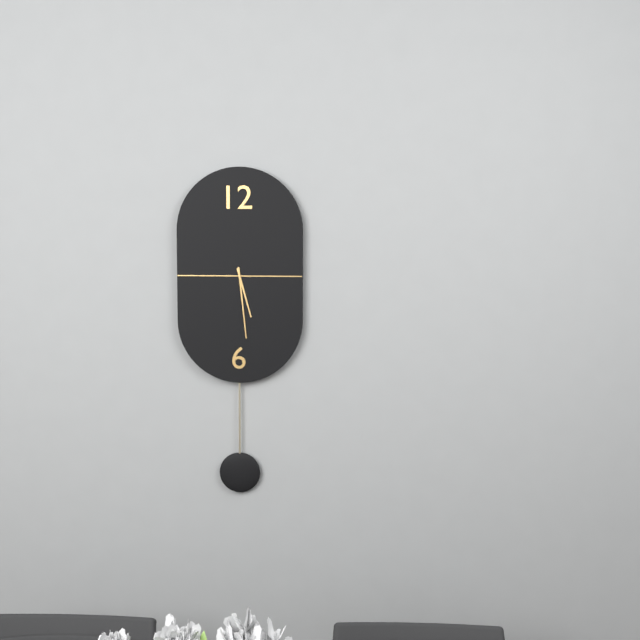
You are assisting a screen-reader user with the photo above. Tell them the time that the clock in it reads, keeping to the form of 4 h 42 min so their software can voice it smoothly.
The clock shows 5 h 29 min
